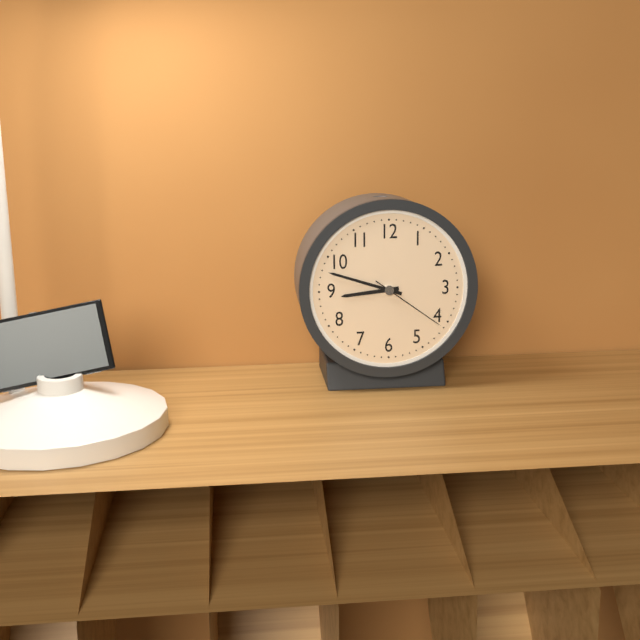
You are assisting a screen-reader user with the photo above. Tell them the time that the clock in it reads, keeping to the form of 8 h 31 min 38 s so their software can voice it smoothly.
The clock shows 8 h 48 min 21 s
